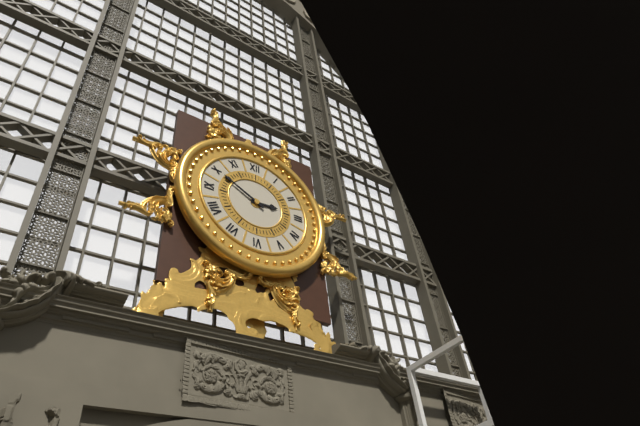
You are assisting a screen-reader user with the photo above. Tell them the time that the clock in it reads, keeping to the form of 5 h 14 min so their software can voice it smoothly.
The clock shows 2 h 50 min
